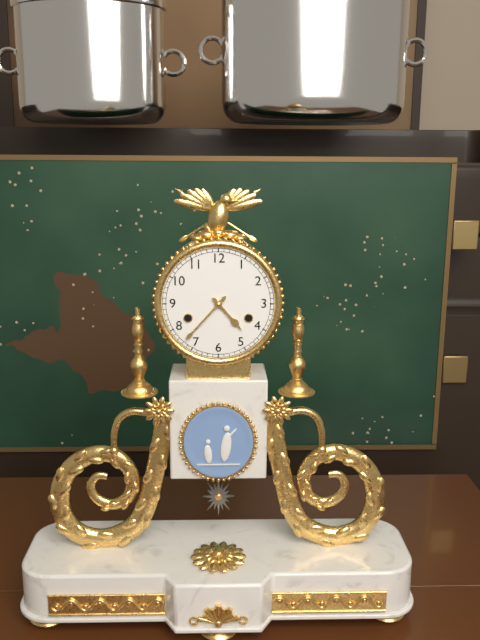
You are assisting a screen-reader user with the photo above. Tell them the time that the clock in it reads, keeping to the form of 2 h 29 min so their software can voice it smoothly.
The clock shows 4 h 37 min
